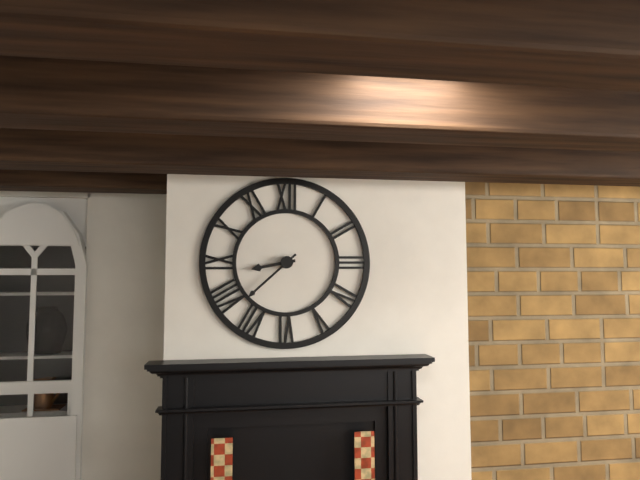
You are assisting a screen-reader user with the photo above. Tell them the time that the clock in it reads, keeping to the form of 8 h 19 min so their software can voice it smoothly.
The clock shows 8 h 38 min
